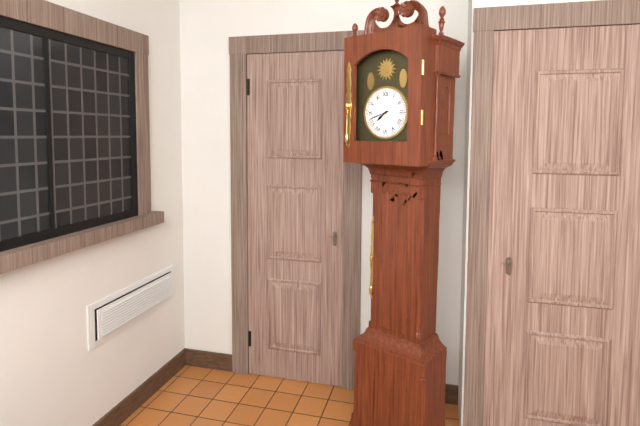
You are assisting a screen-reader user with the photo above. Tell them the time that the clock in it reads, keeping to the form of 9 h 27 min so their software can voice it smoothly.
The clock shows 7 h 42 min
